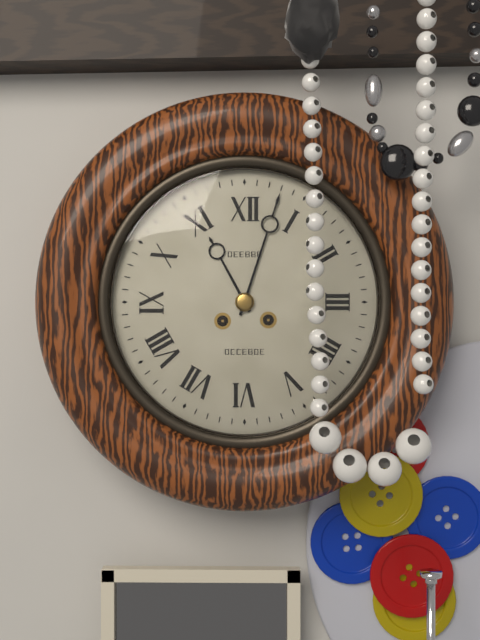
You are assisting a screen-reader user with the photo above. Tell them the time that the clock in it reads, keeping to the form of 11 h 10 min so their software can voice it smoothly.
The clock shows 11 h 03 min
